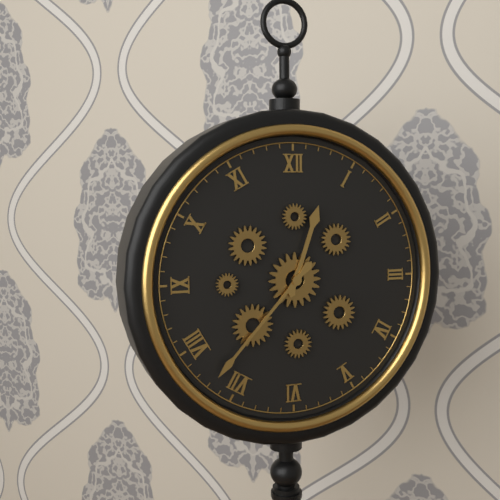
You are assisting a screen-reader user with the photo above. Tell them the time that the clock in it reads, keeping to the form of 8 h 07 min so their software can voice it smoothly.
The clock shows 12 h 37 min
